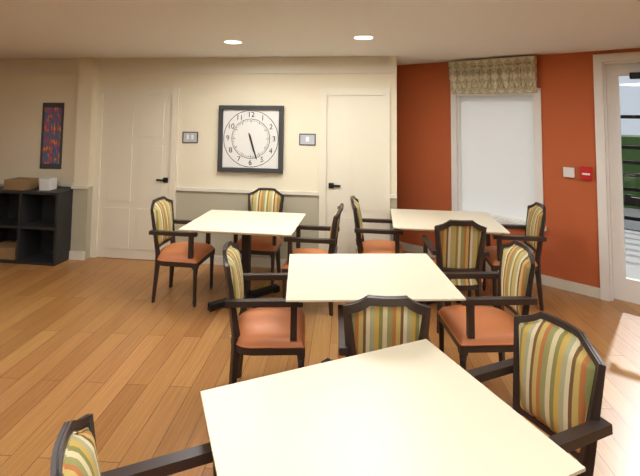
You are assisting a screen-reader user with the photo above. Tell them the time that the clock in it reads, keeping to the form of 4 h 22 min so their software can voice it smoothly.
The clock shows 5 h 27 min
